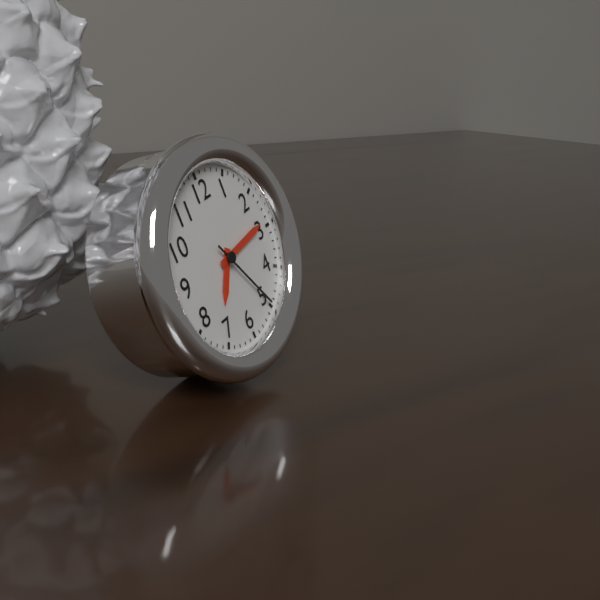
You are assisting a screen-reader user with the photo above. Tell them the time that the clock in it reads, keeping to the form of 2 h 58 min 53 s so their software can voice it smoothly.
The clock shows 7 h 14 min 25 s
